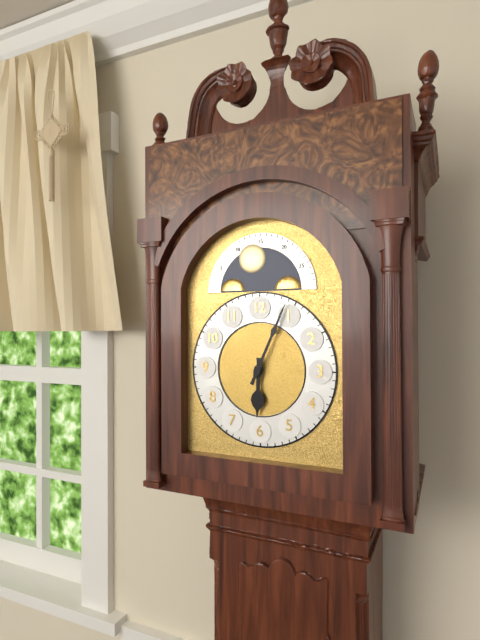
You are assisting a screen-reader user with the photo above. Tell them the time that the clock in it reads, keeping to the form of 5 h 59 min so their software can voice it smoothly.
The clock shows 6 h 04 min
